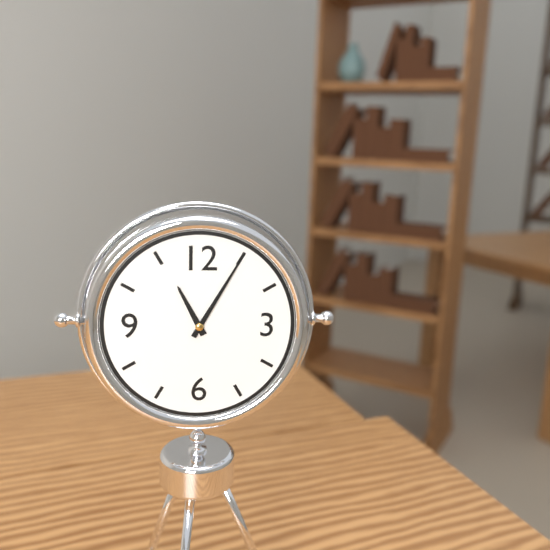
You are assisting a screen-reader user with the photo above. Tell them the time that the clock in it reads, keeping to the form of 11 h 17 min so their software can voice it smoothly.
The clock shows 11 h 05 min
